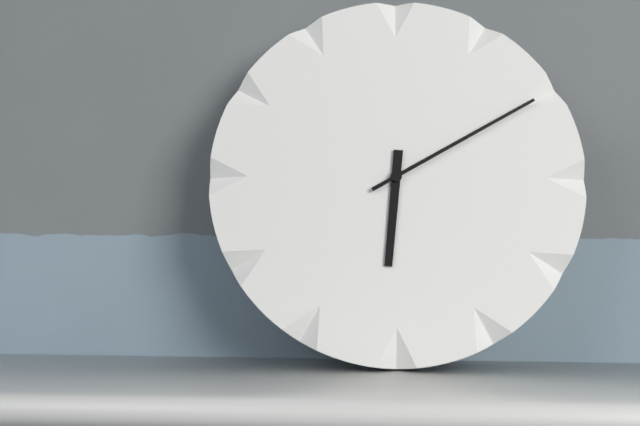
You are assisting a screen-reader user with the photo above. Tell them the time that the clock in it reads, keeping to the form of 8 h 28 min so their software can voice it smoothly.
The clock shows 6 h 10 min
